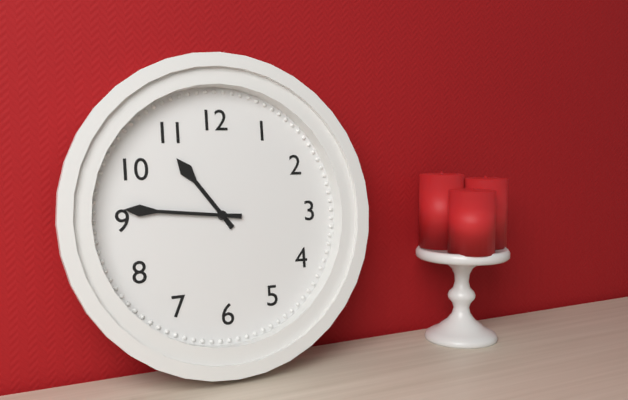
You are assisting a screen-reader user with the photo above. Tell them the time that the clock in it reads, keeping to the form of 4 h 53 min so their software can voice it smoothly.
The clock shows 10 h 46 min
